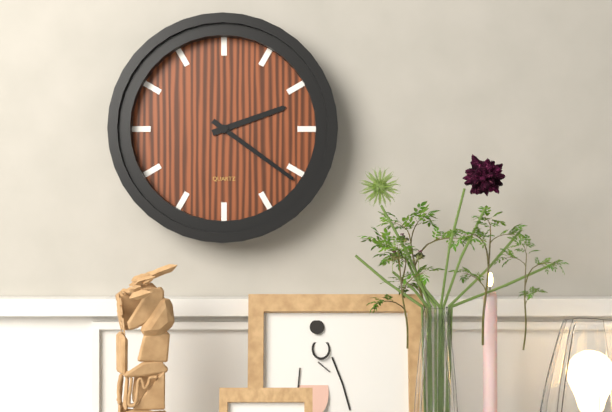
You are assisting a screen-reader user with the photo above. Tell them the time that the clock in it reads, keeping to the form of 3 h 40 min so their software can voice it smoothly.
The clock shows 2 h 21 min
